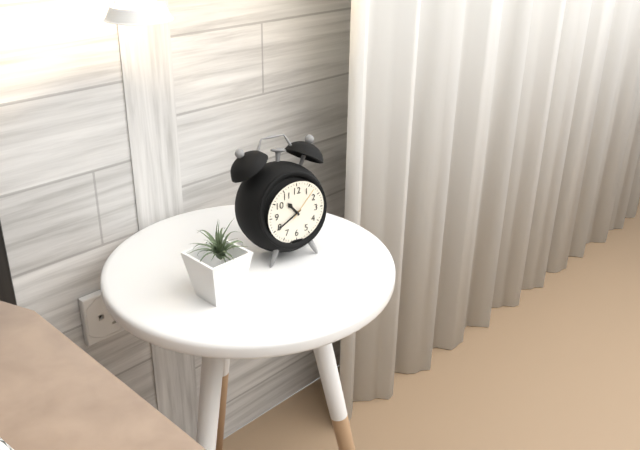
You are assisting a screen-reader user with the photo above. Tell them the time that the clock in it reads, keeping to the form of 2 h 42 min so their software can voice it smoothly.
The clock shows 10 h 40 min
